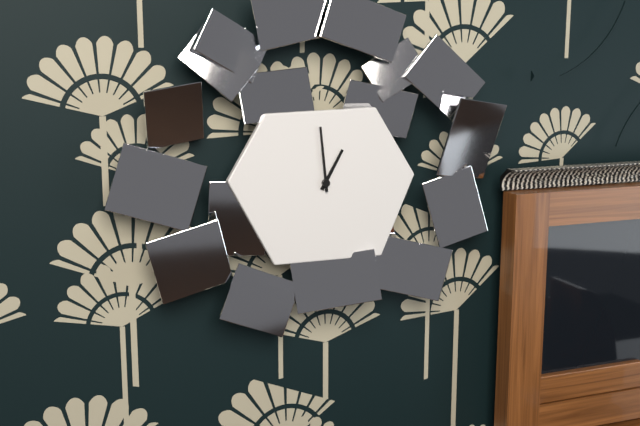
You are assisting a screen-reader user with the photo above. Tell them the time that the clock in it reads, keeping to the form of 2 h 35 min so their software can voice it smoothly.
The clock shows 12 h 59 min
